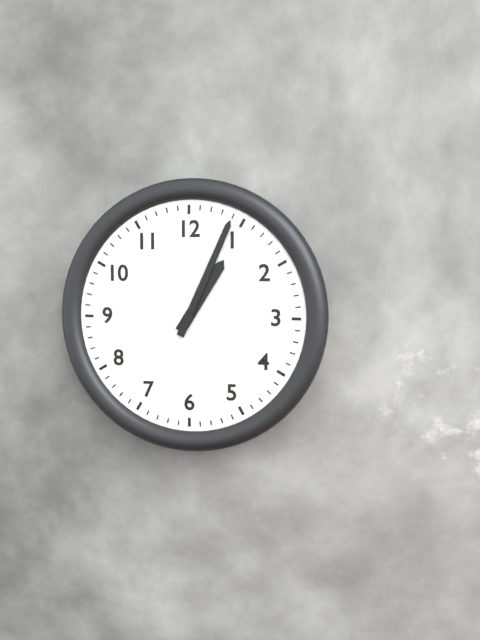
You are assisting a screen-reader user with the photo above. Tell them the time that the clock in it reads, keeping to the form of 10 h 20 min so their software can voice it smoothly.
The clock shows 1 h 04 min
